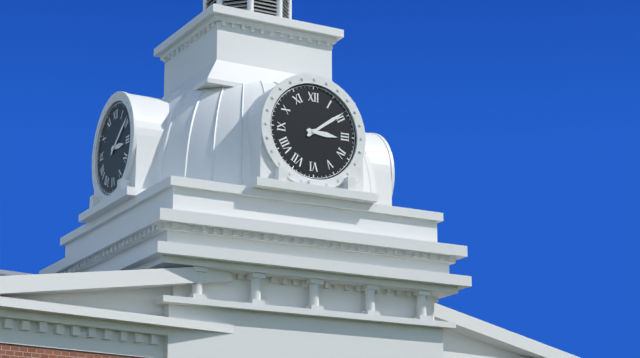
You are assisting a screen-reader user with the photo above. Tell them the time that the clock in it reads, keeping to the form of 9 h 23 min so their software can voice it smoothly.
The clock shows 3 h 09 min
